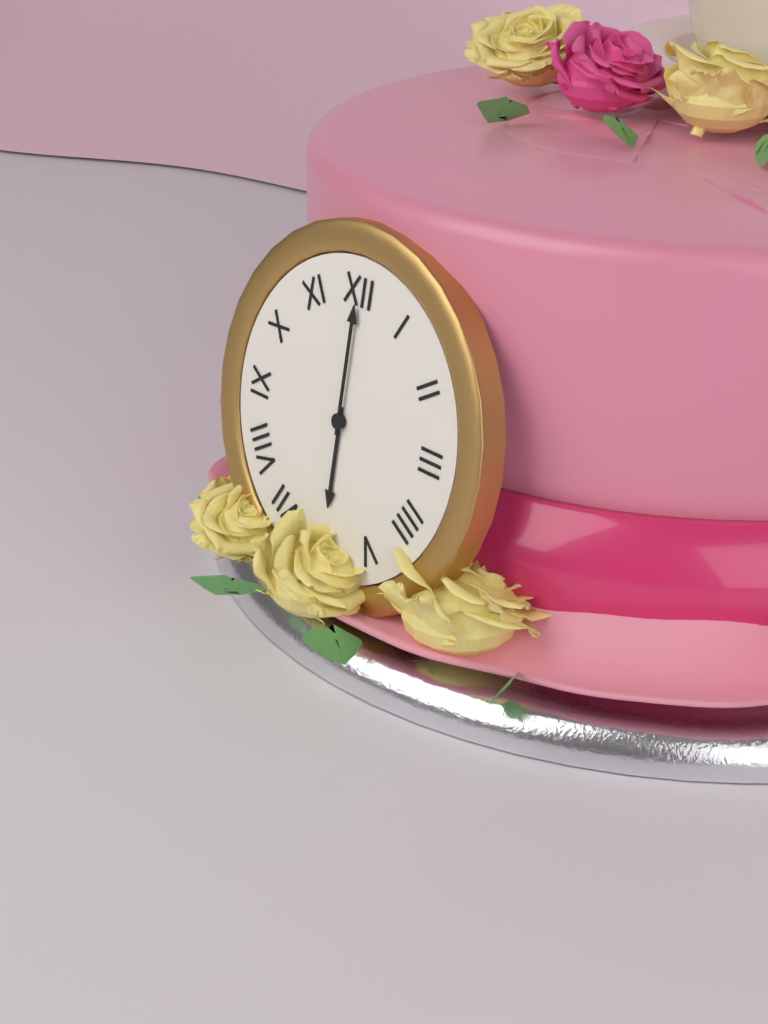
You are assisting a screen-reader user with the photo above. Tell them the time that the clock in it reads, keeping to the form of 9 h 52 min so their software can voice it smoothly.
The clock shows 6 h 00 min
